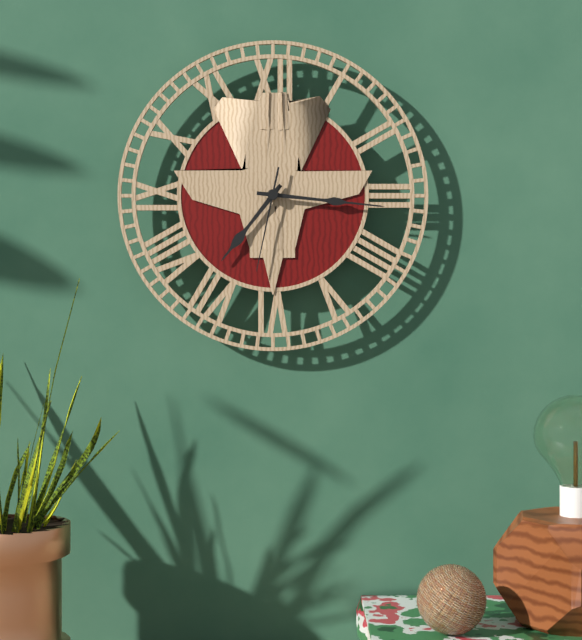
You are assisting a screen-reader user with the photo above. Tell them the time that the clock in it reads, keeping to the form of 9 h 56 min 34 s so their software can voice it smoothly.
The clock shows 7 h 16 min 32 s
